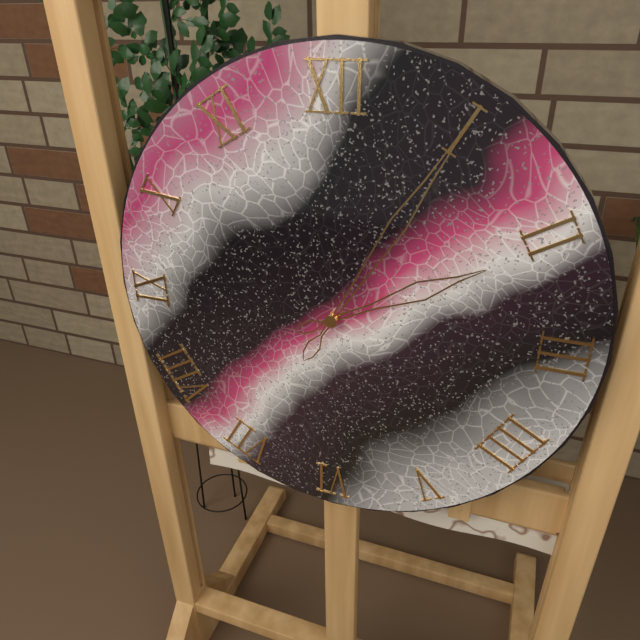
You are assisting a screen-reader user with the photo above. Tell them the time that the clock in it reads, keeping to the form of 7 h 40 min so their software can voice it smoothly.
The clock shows 2 h 05 min
